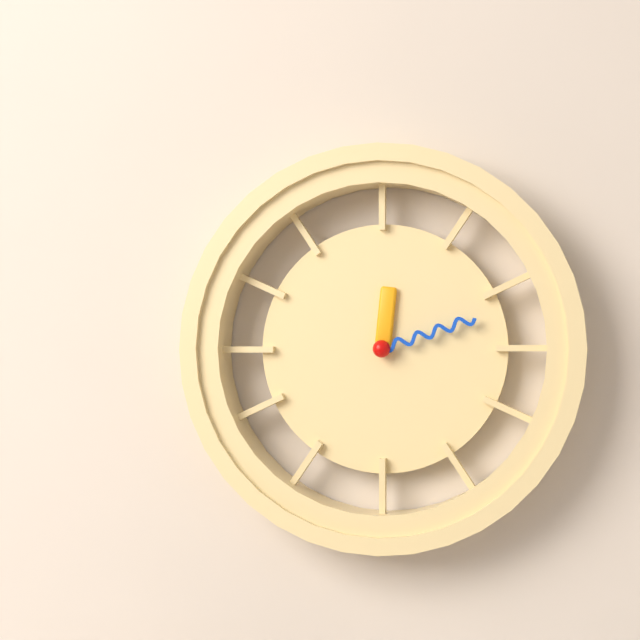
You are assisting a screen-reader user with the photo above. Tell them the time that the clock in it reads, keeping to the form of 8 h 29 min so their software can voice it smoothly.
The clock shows 12 h 12 min
